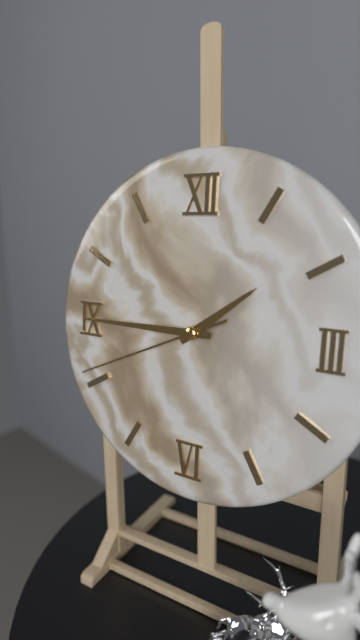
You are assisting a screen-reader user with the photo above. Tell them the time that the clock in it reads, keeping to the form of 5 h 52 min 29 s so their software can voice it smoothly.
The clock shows 1 h 45 min 41 s
